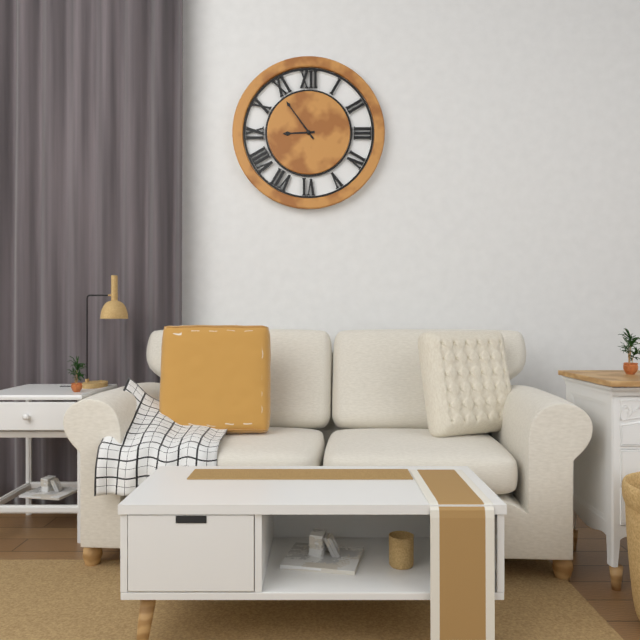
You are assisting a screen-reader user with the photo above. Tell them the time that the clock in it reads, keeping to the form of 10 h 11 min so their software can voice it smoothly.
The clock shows 8 h 54 min
